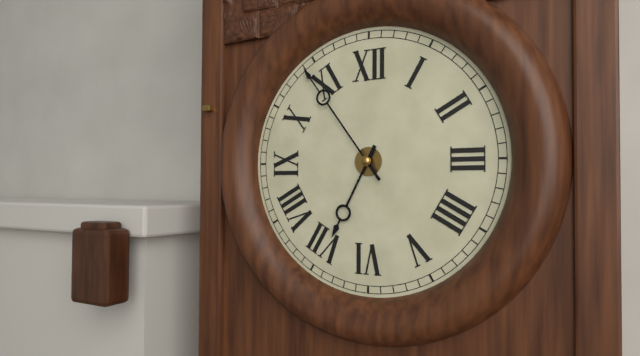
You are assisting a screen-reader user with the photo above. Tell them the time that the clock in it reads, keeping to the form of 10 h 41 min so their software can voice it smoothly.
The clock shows 6 h 54 min
